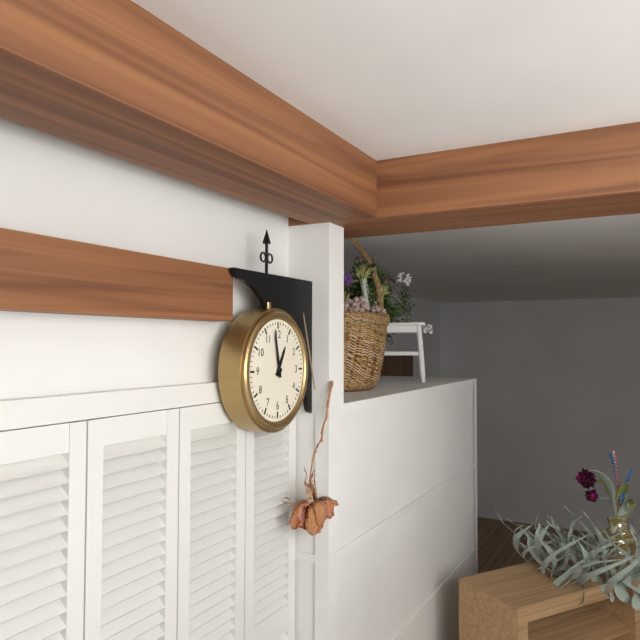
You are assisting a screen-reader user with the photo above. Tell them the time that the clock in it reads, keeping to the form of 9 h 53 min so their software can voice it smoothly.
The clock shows 12 h 58 min
